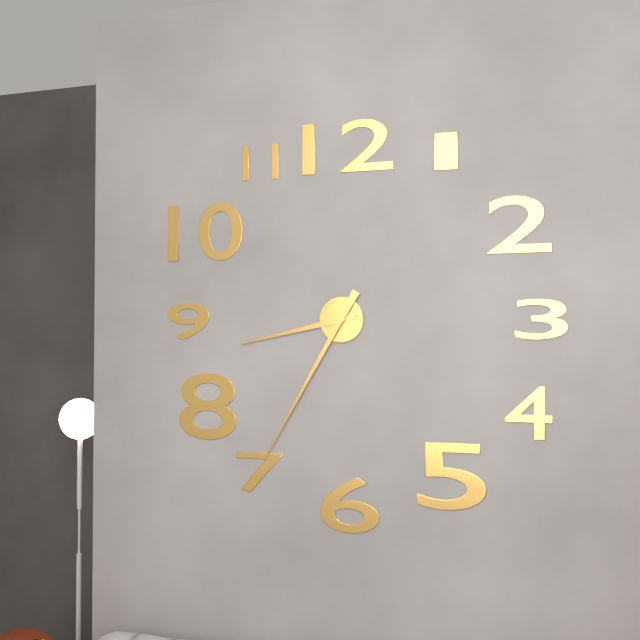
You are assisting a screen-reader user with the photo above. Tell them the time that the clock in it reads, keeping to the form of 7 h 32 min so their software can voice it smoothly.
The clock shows 8 h 35 min
